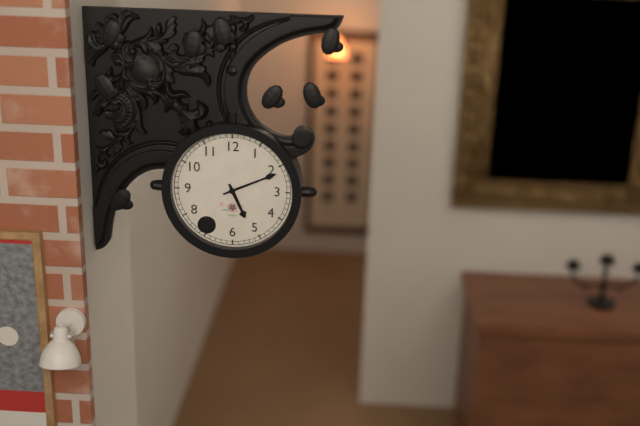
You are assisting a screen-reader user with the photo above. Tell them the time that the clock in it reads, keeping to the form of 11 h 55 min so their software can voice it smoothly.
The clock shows 5 h 11 min
